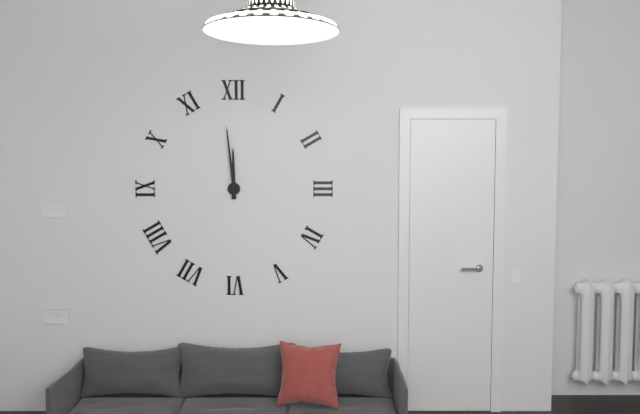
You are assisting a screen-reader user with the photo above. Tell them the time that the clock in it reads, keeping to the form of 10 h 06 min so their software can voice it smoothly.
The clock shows 11 h 59 min
